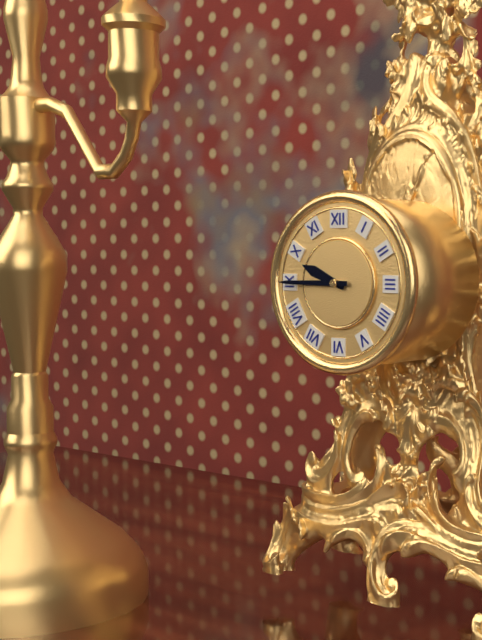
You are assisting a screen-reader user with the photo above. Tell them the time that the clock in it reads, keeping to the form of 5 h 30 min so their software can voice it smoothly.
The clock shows 9 h 45 min
